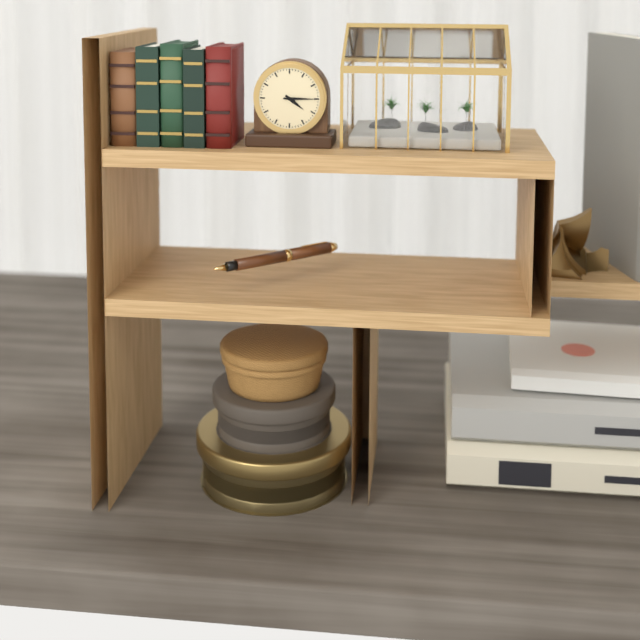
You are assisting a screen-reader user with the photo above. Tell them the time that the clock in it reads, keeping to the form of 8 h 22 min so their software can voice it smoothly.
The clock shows 4 h 15 min
